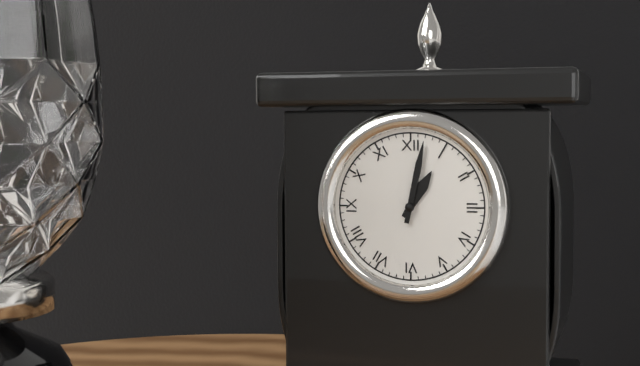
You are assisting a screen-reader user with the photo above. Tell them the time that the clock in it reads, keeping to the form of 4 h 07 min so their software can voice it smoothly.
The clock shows 1 h 02 min
